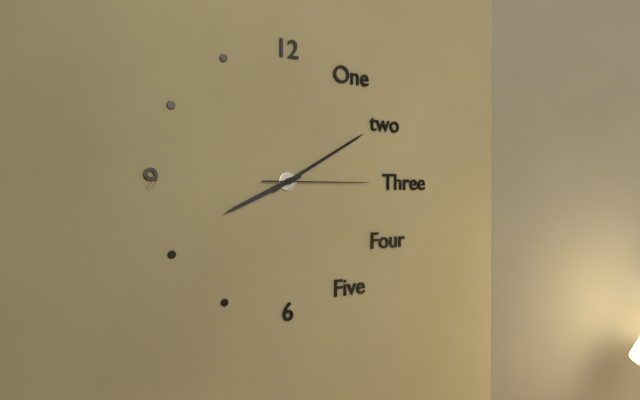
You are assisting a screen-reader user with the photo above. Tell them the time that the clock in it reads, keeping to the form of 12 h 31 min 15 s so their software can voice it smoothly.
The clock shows 8 h 10 min 15 s
